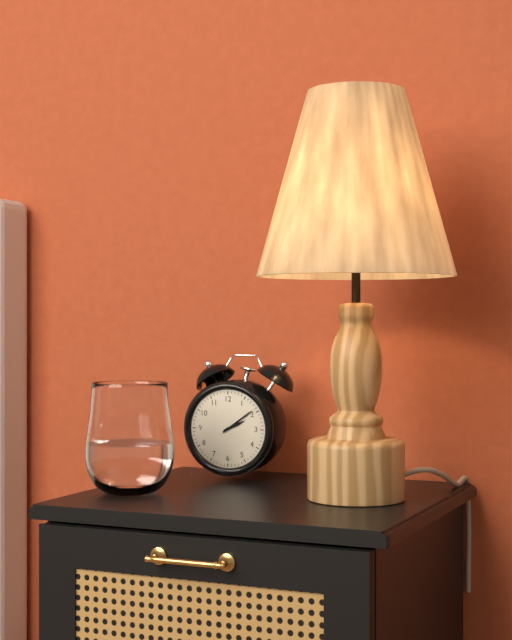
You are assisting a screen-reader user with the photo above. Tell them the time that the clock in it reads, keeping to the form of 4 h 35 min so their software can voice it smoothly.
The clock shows 2 h 09 min
